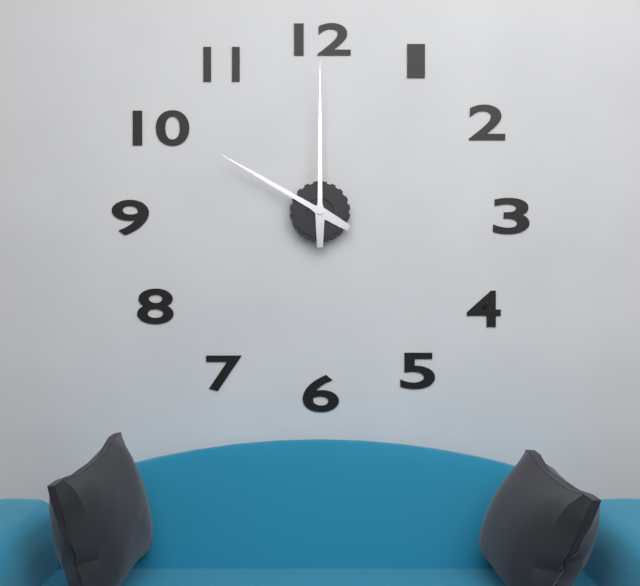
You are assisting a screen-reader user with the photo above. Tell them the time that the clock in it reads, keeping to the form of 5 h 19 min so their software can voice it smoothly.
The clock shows 10 h 00 min
